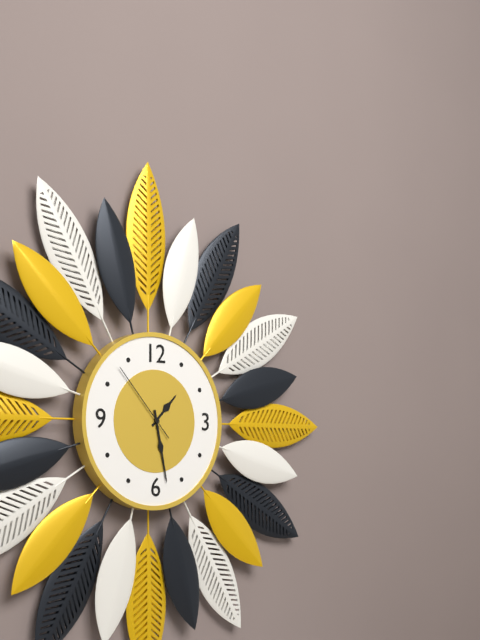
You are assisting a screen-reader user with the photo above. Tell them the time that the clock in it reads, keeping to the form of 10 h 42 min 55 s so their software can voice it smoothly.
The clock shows 1 h 28 min 53 s
